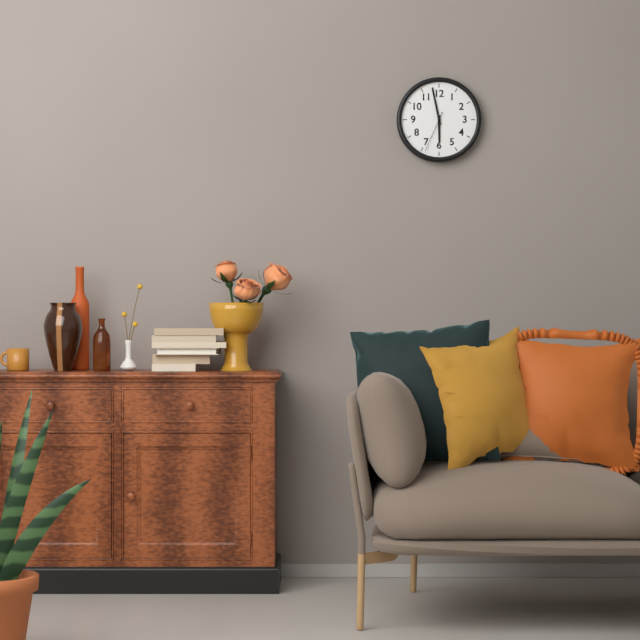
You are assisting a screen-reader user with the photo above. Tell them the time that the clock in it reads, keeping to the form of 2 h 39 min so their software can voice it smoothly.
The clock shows 5 h 58 min
